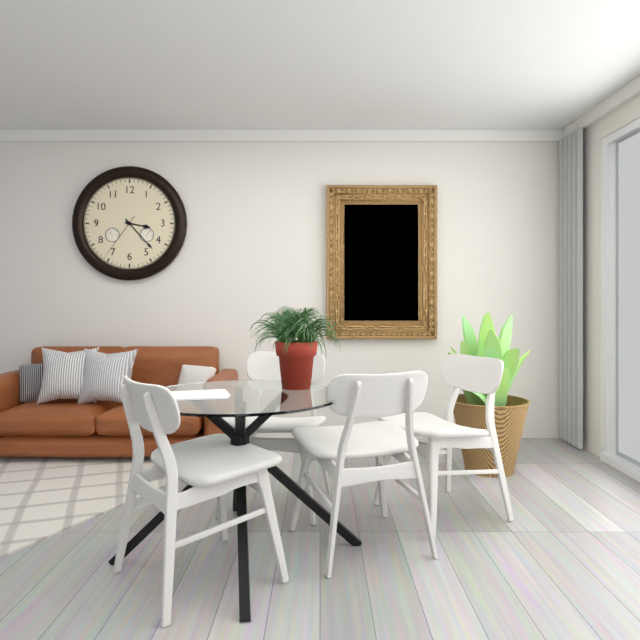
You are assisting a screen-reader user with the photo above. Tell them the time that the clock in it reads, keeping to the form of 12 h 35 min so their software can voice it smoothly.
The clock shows 3 h 23 min
